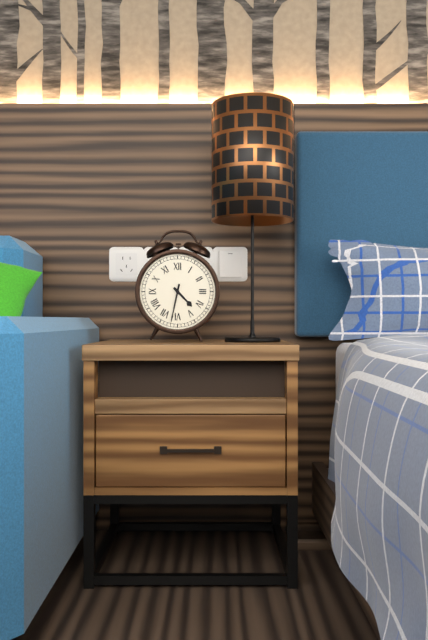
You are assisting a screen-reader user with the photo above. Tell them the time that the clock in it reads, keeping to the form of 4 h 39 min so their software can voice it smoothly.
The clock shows 4 h 32 min
